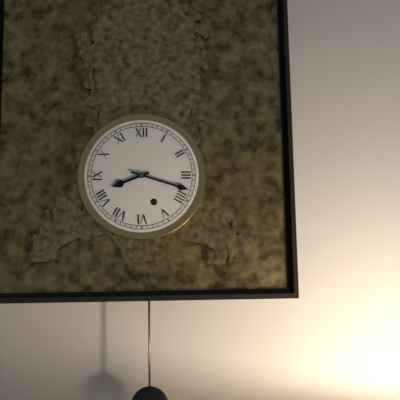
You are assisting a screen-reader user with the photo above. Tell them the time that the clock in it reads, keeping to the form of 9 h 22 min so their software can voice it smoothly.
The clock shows 8 h 18 min
